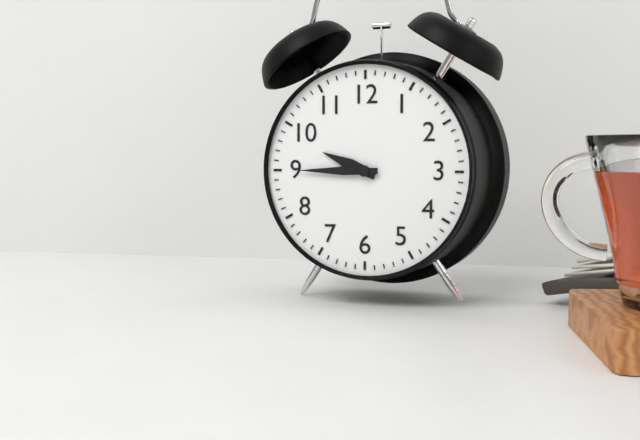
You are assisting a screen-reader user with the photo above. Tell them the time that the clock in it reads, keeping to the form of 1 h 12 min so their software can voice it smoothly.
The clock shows 9 h 45 min
